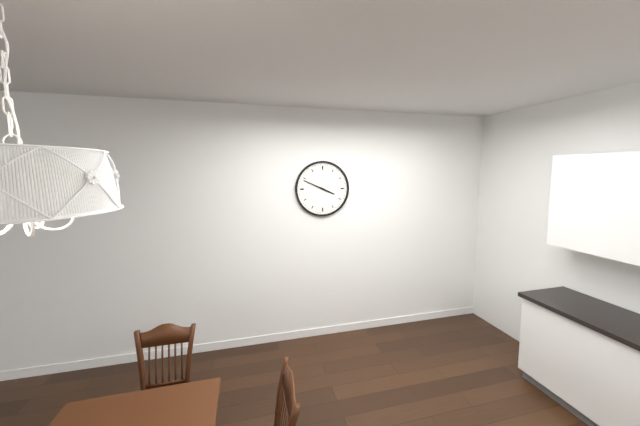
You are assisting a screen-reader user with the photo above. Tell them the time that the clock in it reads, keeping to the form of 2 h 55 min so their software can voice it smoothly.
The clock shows 3 h 49 min
